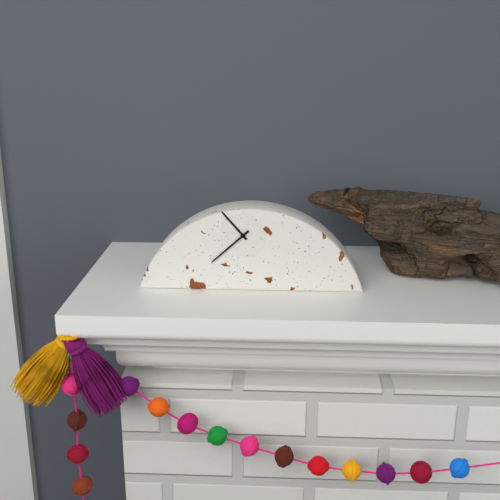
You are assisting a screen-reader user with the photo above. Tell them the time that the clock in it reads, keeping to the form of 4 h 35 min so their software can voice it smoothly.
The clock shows 10 h 38 min
